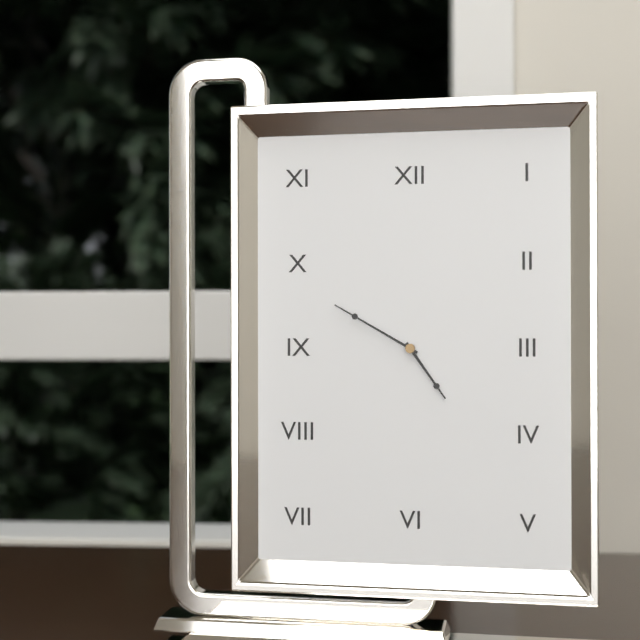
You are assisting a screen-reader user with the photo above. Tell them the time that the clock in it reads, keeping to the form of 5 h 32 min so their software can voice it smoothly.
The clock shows 4 h 50 min
